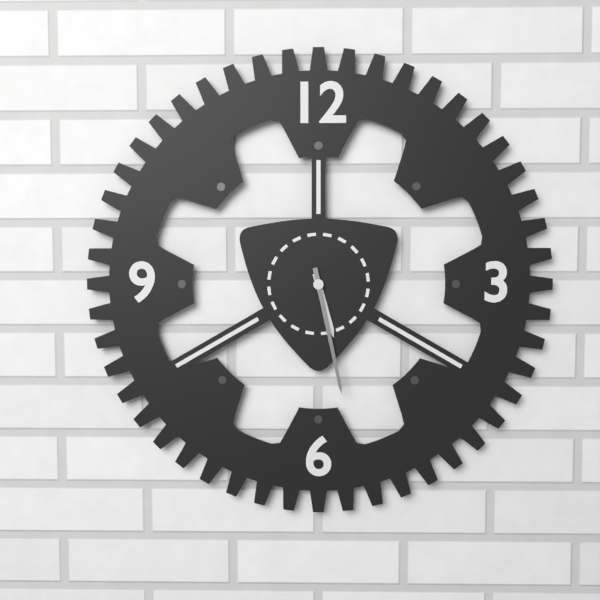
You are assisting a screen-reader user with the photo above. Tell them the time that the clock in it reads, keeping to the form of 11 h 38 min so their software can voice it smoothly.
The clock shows 5 h 28 min
